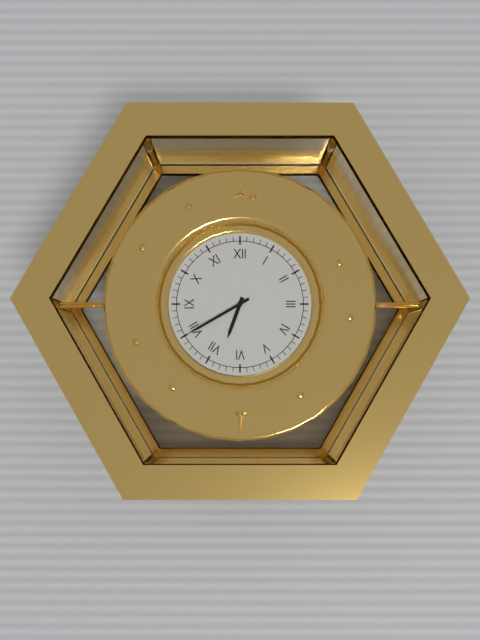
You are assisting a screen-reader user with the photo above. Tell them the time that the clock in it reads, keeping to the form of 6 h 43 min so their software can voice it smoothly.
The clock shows 6 h 40 min
